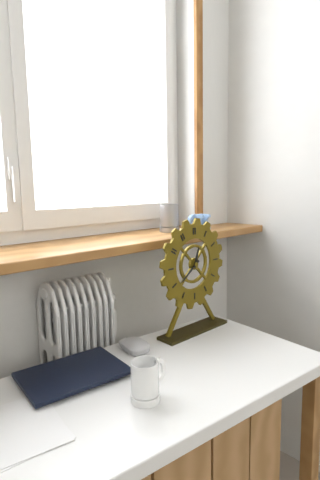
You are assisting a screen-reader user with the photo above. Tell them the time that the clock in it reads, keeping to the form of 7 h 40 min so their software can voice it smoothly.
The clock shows 12 h 39 min
